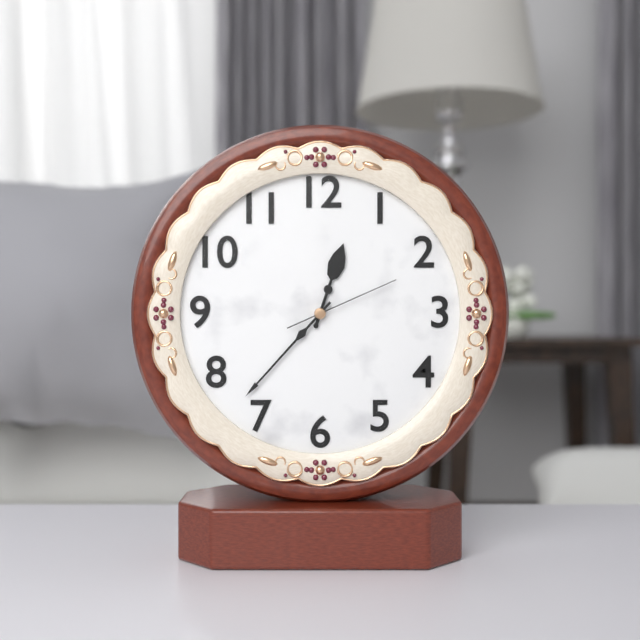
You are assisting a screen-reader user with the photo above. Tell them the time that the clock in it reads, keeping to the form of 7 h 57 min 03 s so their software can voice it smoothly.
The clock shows 12 h 37 min 11 s
